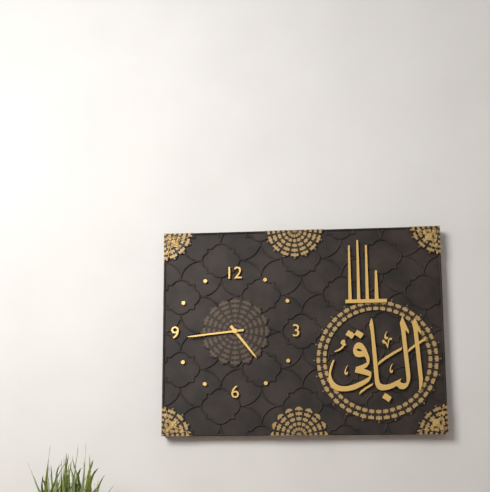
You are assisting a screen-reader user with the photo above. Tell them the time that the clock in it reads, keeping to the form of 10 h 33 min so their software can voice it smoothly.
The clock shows 4 h 44 min
